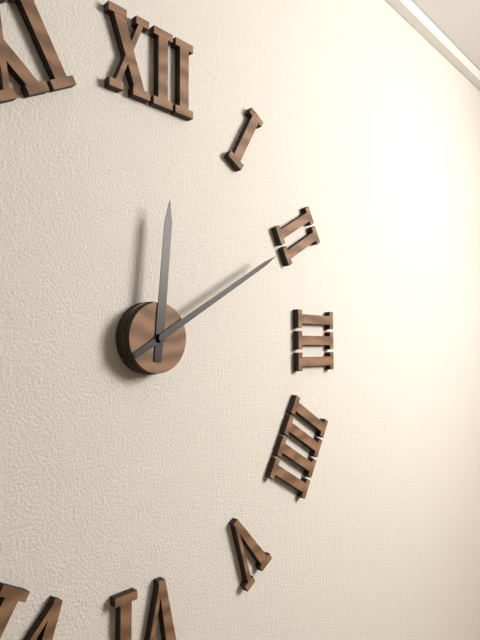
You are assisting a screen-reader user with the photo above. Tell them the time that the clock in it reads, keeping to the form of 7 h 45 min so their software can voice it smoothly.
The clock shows 12 h 10 min
